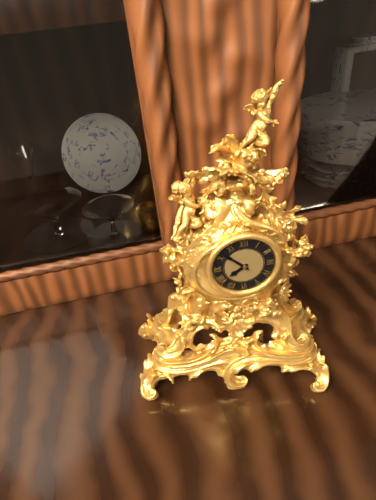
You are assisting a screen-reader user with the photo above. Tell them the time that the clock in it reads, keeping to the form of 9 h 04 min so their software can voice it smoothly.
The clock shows 7 h 52 min
